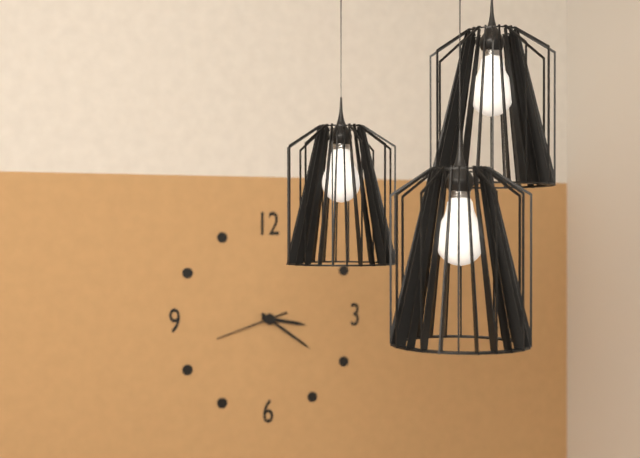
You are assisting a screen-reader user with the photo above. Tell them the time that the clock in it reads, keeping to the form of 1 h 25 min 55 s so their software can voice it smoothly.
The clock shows 3 h 21 min 42 s
